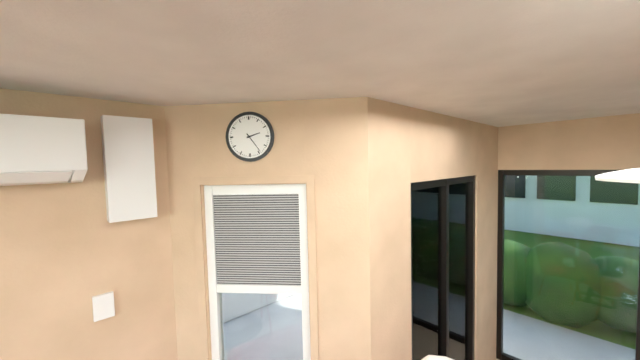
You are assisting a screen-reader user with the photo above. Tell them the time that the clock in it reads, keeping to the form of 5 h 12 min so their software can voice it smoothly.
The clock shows 2 h 24 min
